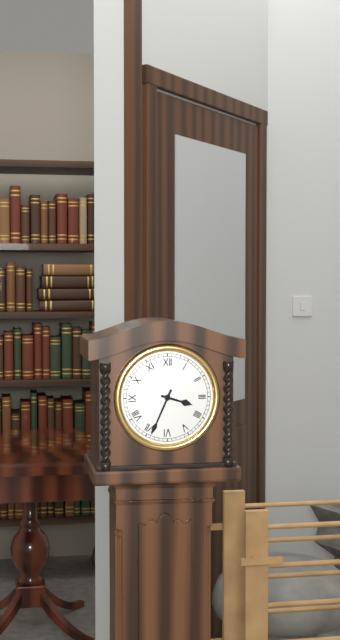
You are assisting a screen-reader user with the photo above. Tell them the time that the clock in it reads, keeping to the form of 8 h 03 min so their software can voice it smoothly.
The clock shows 3 h 34 min
